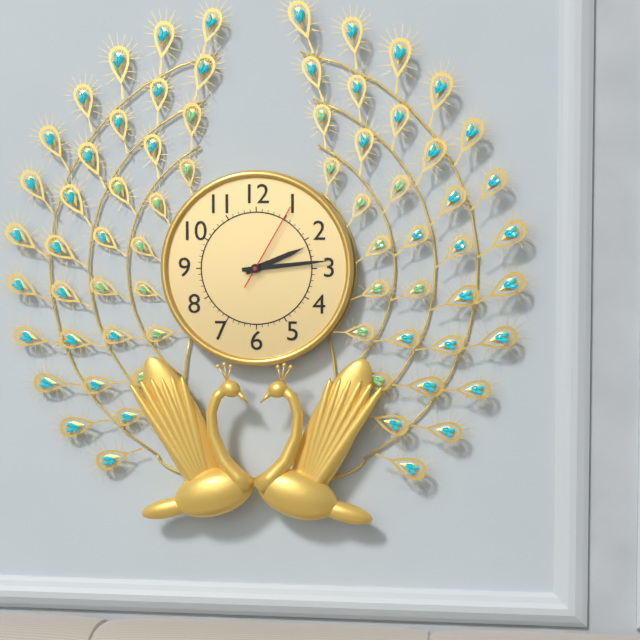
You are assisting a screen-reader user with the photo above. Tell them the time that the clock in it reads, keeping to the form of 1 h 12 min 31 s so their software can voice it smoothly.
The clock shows 2 h 14 min 05 s
